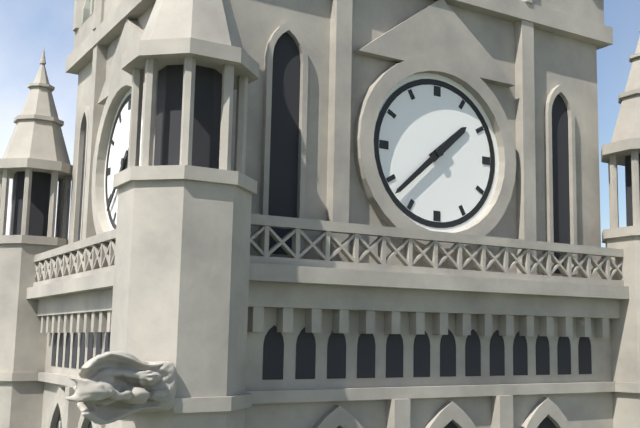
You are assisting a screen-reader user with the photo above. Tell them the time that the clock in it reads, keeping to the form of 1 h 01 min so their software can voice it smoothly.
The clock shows 1 h 38 min
